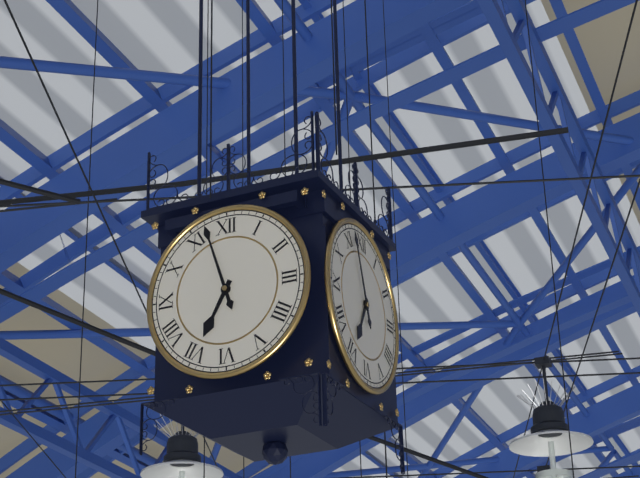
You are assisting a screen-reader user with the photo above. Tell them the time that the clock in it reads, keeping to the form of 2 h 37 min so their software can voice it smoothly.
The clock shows 6 h 57 min
